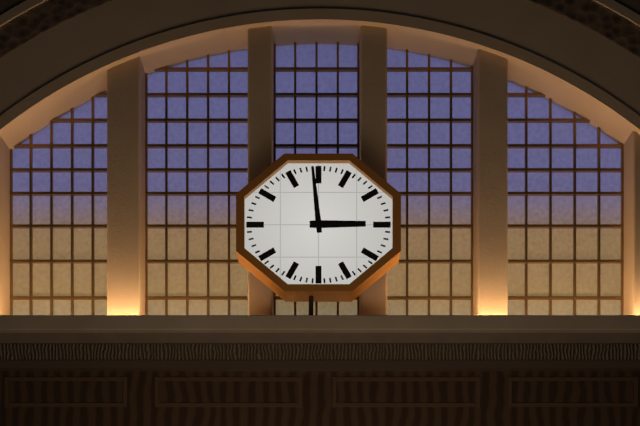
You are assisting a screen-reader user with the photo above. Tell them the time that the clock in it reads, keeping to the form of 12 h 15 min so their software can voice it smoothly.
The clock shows 2 h 59 min
